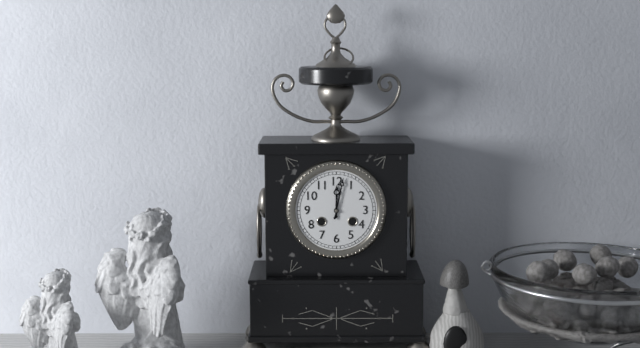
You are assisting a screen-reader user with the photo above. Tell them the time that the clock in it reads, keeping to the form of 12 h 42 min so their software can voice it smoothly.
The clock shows 12 h 02 min
